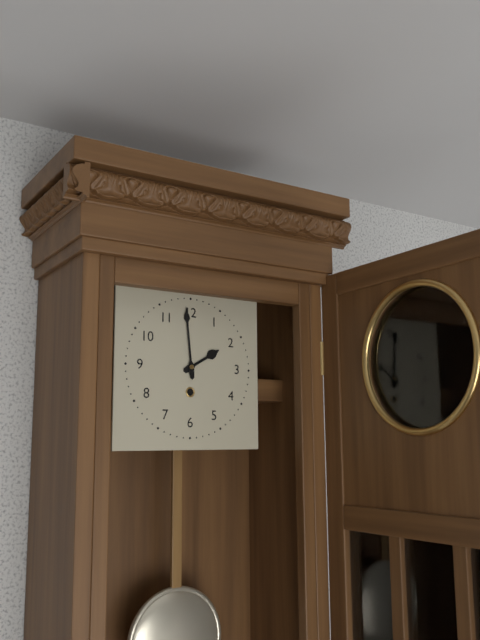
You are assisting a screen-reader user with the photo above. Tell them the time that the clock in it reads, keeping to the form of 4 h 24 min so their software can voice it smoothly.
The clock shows 1 h 59 min
